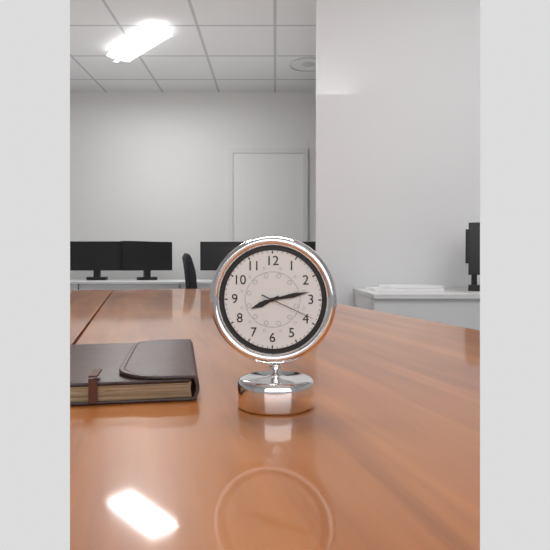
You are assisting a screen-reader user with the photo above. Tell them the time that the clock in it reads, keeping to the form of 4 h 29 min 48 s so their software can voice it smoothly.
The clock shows 8 h 13 min 19 s
